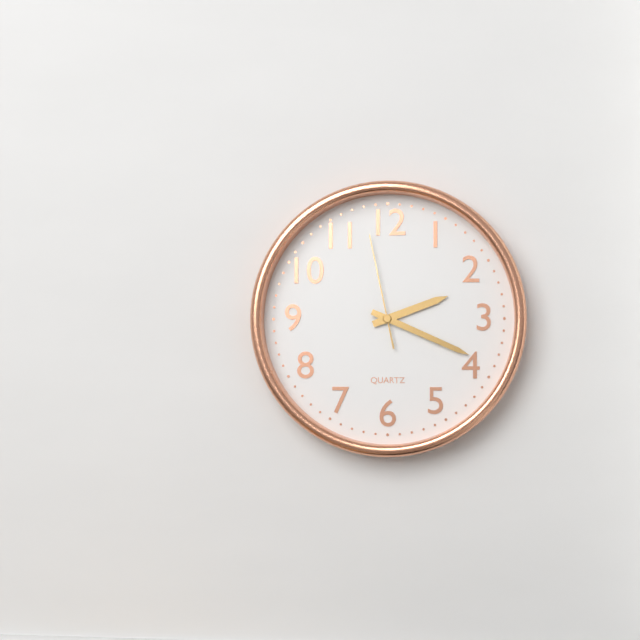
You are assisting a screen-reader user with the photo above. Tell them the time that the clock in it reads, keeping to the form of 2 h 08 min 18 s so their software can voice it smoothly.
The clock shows 2 h 19 min 58 s
